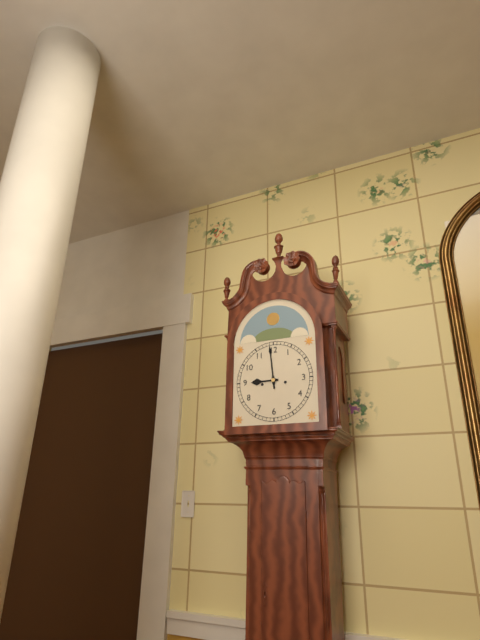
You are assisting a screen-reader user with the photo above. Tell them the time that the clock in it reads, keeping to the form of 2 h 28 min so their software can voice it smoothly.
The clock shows 8 h 59 min
